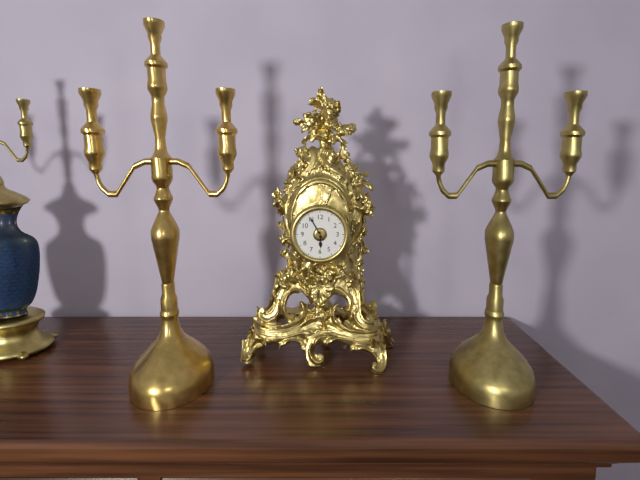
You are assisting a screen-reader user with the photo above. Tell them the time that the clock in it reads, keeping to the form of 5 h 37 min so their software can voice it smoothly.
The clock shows 5 h 55 min
